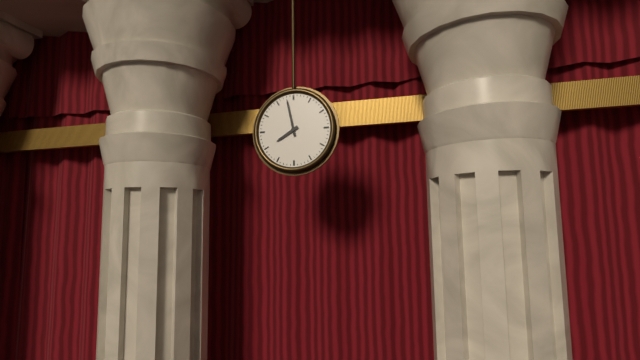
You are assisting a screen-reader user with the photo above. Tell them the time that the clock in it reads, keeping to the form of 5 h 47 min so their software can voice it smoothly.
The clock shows 7 h 58 min
